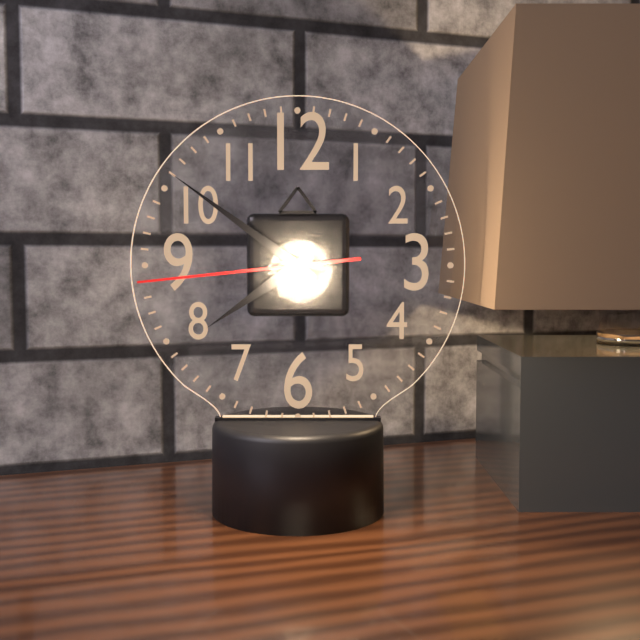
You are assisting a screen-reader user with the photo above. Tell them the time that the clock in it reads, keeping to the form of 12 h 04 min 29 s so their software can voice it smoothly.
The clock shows 7 h 51 min 44 s
